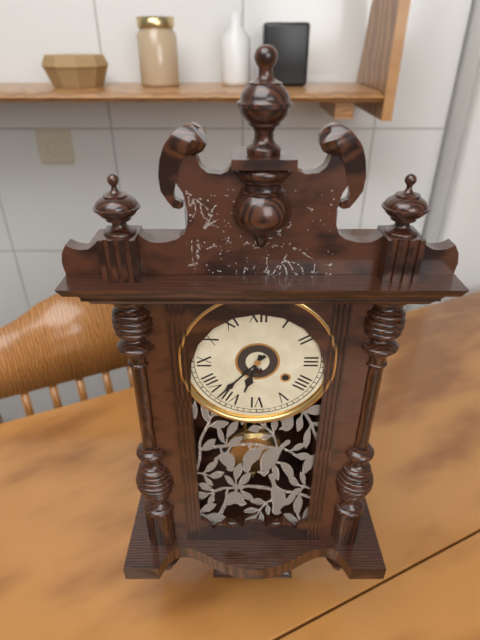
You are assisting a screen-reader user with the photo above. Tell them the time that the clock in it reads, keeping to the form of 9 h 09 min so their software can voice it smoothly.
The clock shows 6 h 37 min
